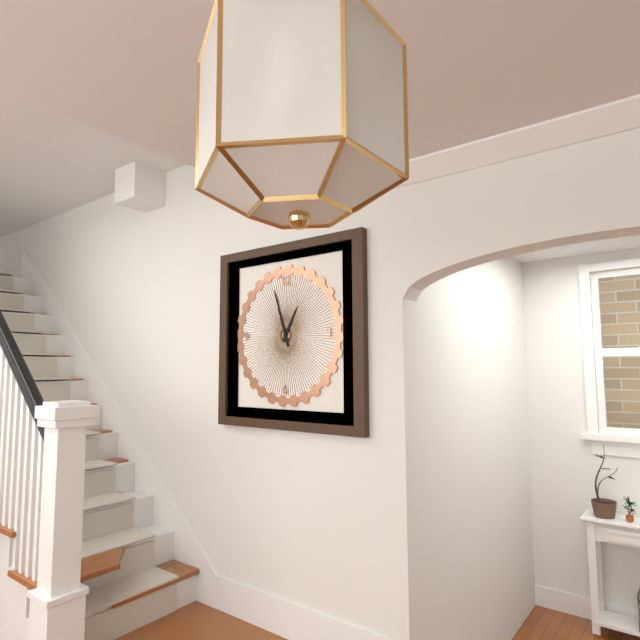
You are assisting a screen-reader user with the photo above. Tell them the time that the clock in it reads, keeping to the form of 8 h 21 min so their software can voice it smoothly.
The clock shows 12 h 57 min
